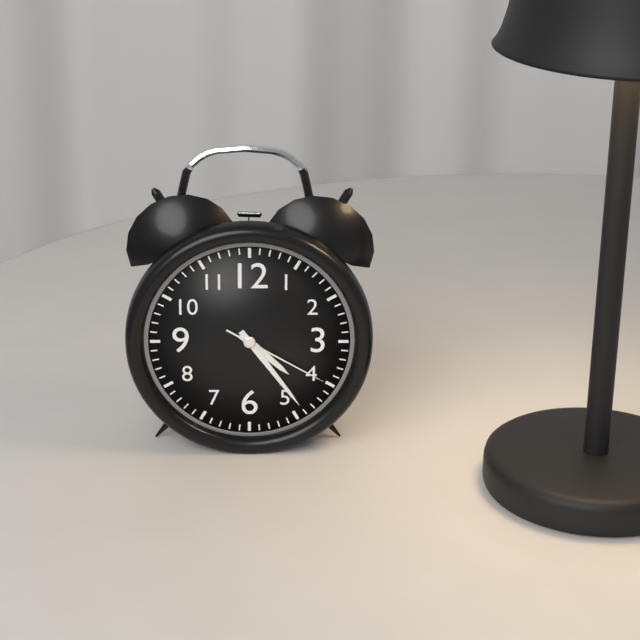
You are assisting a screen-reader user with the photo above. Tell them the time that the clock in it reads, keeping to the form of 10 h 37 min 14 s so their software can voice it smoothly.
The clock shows 4 h 24 min 20 s
